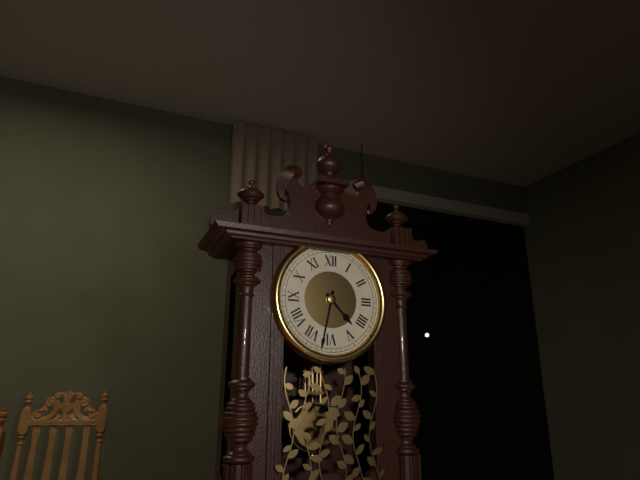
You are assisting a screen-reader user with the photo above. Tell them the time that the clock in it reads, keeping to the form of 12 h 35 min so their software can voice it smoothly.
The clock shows 4 h 32 min
